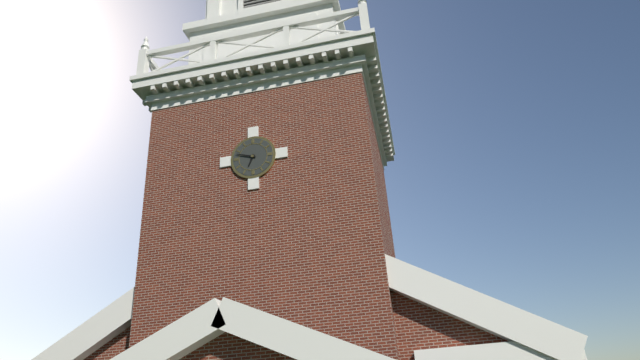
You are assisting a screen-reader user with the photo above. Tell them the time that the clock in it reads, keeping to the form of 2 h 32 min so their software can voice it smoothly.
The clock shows 6 h 48 min
